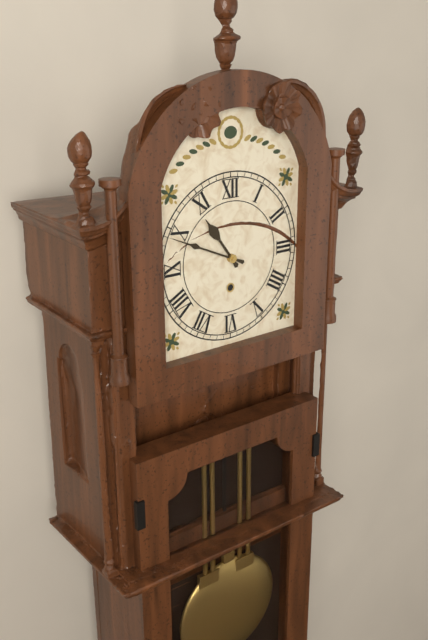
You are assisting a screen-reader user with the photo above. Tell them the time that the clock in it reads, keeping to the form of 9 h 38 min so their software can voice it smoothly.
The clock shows 10 h 49 min
